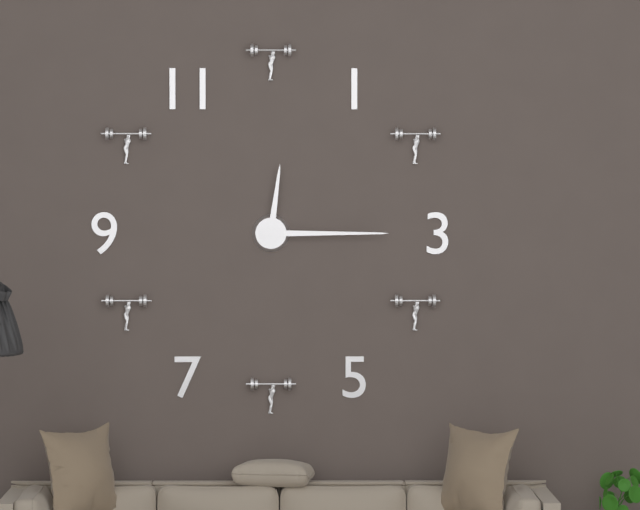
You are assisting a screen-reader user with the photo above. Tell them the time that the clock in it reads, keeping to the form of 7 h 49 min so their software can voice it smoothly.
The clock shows 12 h 15 min
